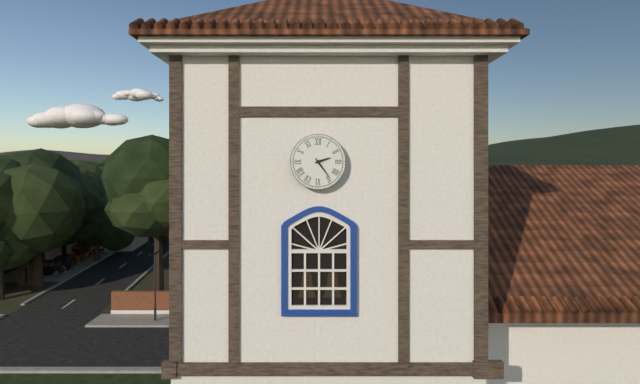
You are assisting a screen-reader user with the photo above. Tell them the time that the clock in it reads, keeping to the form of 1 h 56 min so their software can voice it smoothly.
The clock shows 2 h 24 min
